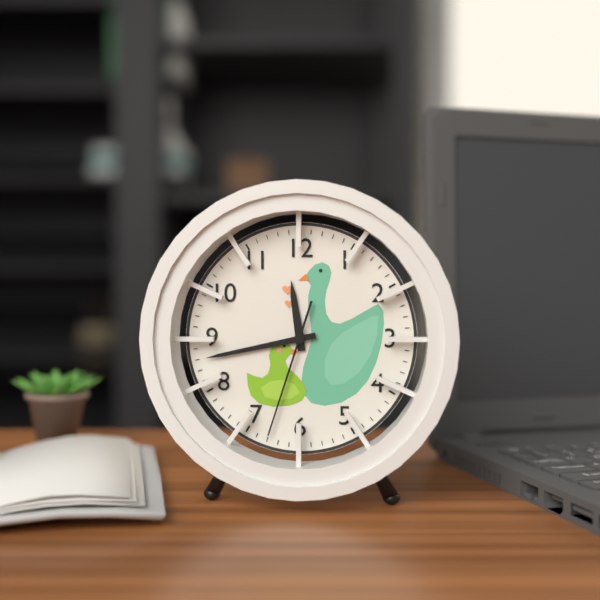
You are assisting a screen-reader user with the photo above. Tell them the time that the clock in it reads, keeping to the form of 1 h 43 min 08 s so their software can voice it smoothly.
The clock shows 11 h 43 min 33 s
